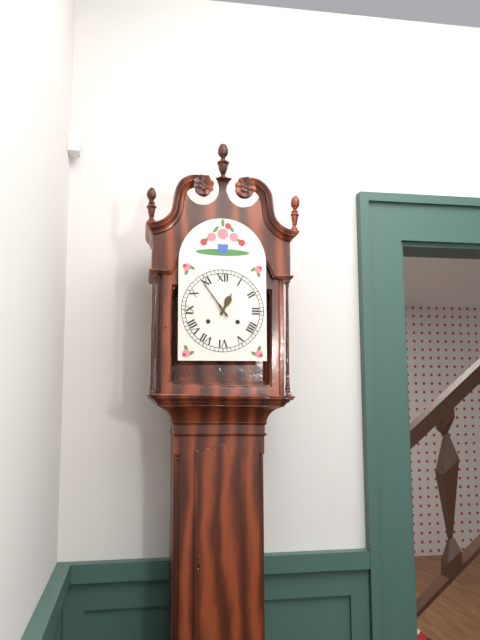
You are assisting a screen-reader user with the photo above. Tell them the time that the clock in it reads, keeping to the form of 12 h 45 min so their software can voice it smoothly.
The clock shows 12 h 54 min
